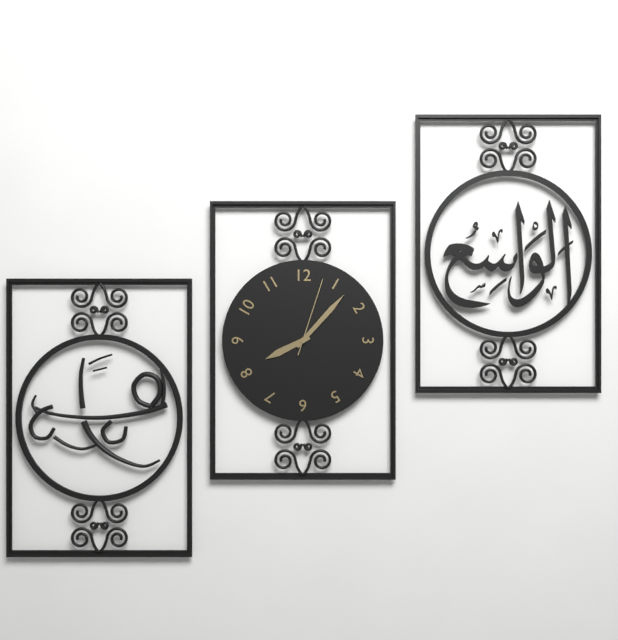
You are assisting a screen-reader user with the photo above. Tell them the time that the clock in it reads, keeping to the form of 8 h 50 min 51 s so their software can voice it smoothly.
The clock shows 8 h 07 min 03 s
